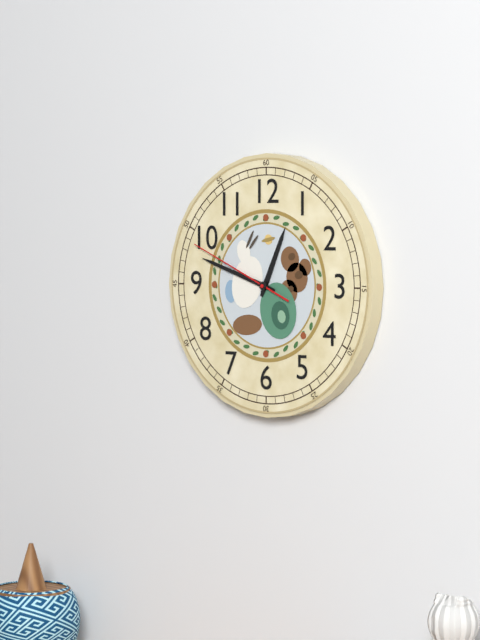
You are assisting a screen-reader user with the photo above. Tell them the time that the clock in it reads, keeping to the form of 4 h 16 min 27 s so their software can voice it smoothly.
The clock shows 12 h 48 min 49 s
